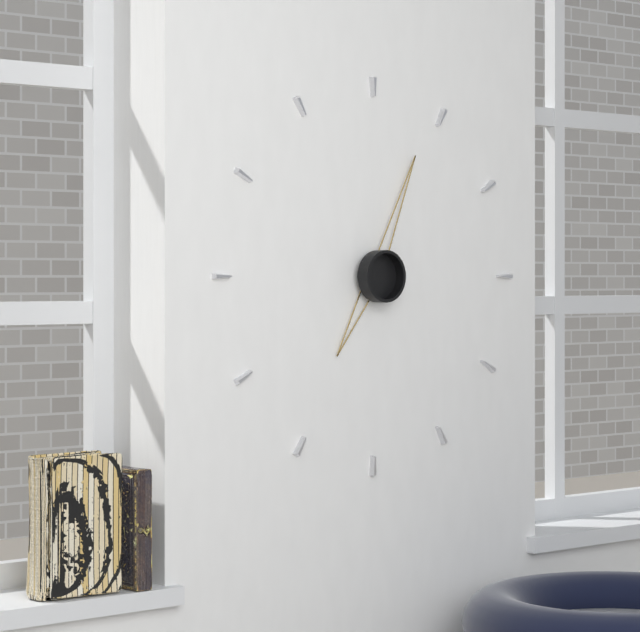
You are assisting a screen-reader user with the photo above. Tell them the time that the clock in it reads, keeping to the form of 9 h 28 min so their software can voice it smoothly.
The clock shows 7 h 04 min
